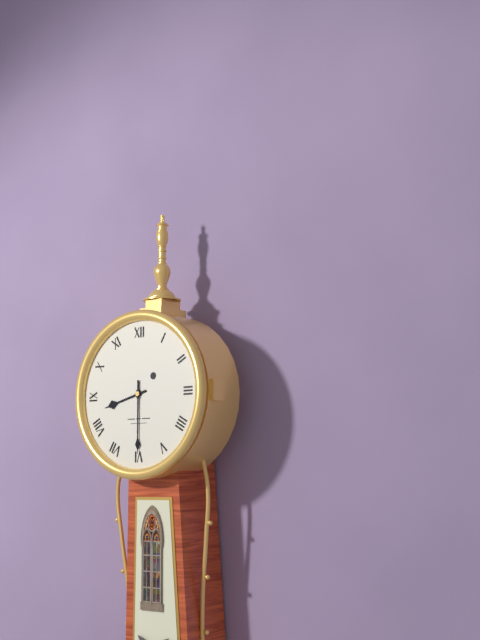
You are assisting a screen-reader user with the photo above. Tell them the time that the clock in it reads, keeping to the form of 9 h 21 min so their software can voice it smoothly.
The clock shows 8 h 30 min
